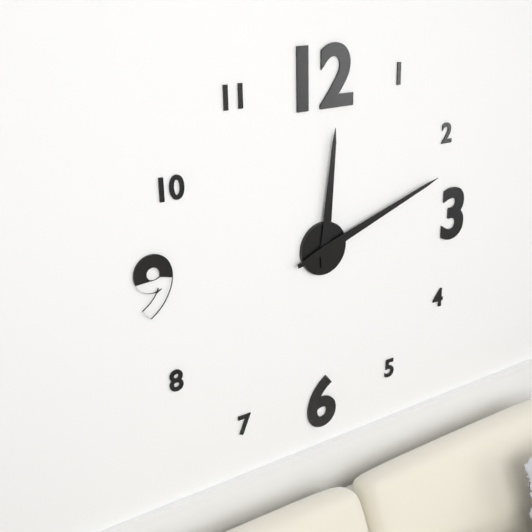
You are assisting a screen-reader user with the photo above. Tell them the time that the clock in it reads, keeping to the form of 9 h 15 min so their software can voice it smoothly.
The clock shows 12 h 12 min
